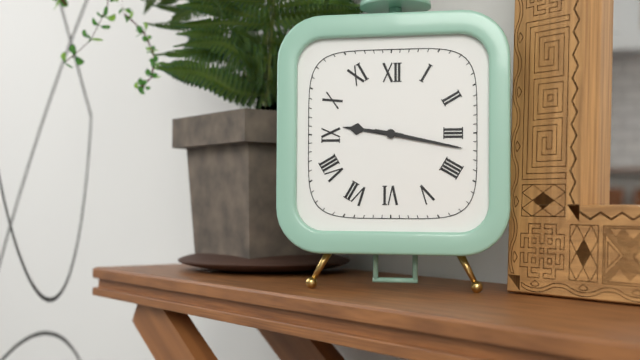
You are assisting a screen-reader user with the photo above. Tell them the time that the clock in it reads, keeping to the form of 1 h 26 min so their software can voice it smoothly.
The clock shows 9 h 17 min
